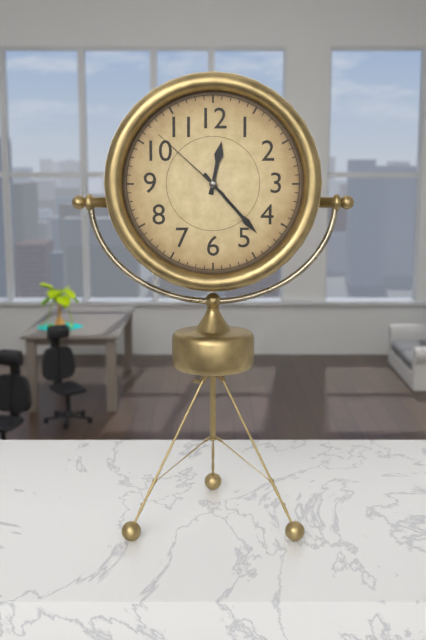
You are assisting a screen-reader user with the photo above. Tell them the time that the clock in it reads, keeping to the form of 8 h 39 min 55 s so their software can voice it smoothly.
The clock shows 12 h 23 min 52 s
